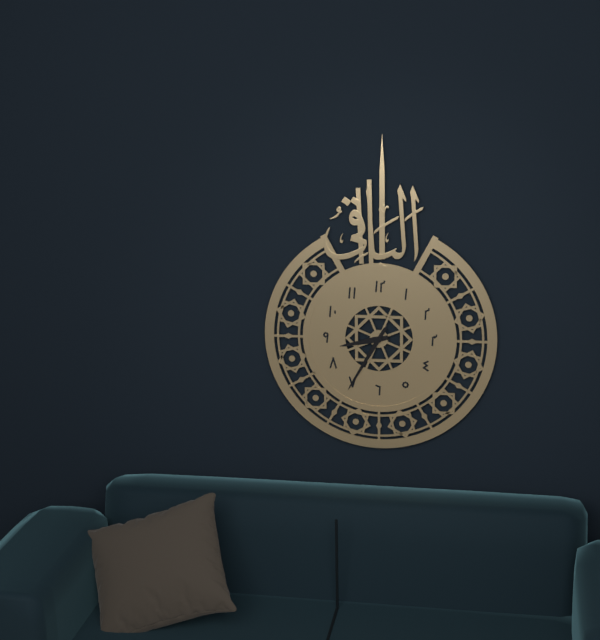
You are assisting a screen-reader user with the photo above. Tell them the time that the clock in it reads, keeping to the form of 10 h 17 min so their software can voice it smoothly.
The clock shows 8 h 35 min
